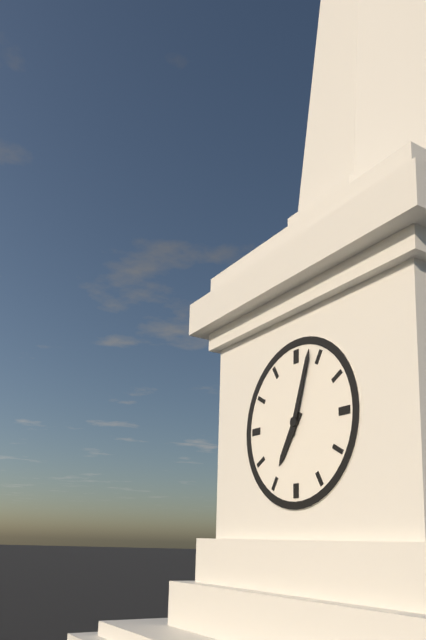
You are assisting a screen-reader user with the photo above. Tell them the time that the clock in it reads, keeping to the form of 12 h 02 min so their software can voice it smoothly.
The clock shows 7 h 03 min
